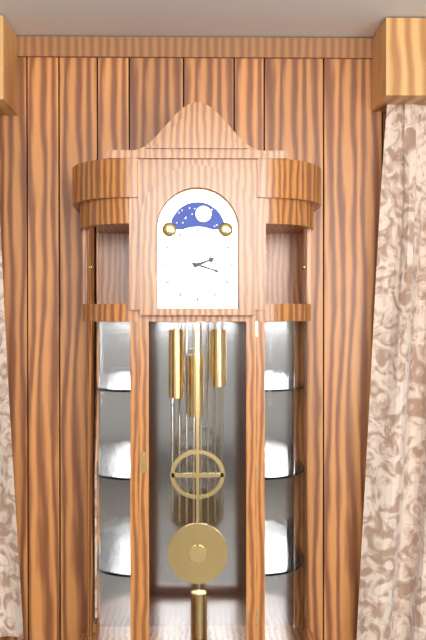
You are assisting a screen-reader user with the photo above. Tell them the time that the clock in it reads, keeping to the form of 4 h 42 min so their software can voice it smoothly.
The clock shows 2 h 18 min
